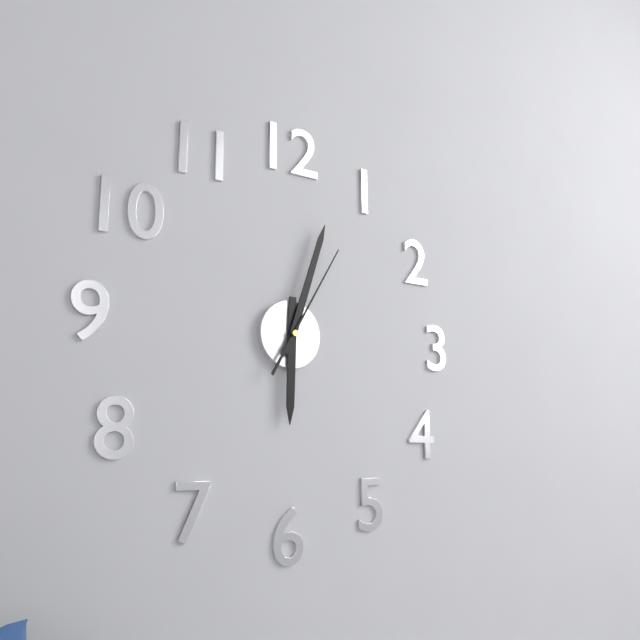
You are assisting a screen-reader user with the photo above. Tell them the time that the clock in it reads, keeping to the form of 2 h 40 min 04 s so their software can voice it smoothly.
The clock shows 6 h 03 min 05 s
